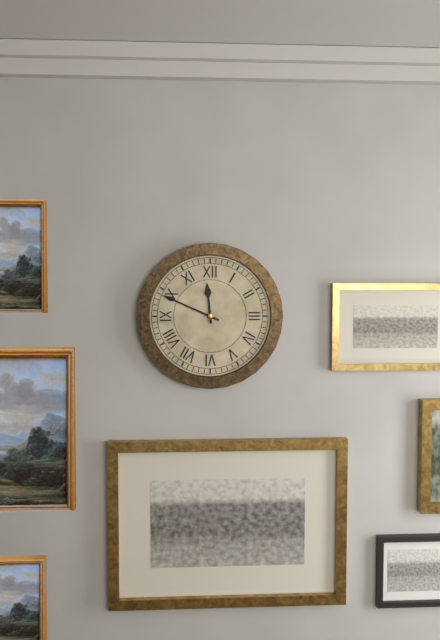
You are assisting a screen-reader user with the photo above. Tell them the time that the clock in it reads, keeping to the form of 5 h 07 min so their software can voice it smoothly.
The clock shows 11 h 49 min
